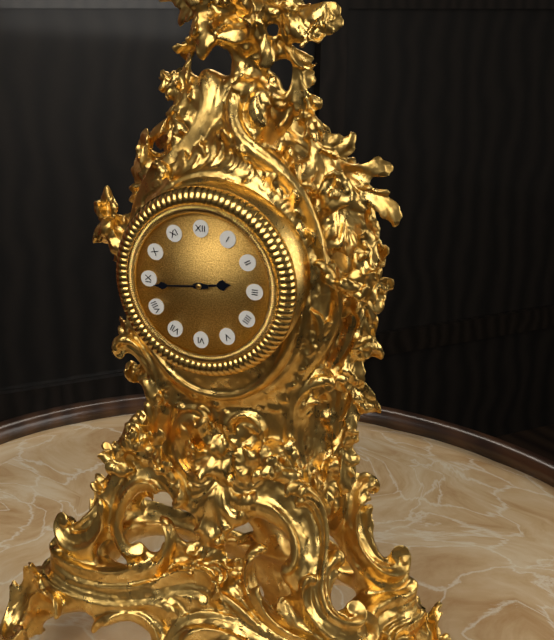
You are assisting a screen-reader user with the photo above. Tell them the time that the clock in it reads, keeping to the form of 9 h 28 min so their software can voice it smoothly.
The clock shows 2 h 44 min
